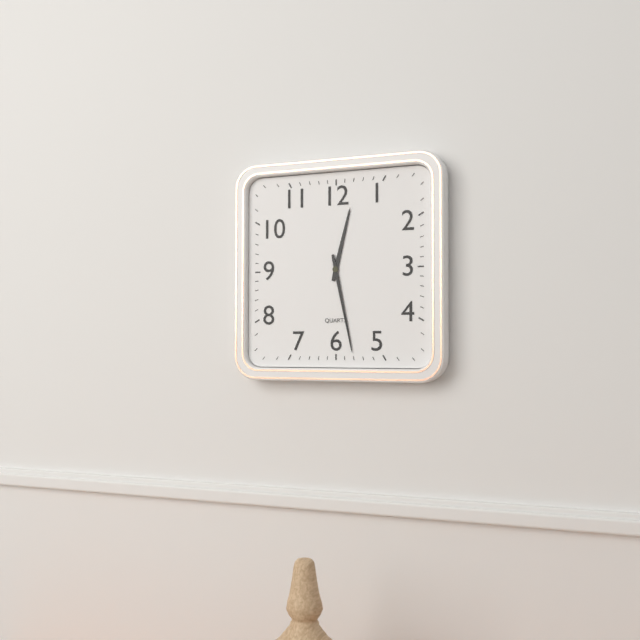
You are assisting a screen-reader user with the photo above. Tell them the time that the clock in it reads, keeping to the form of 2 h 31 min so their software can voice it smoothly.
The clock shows 12 h 28 min
